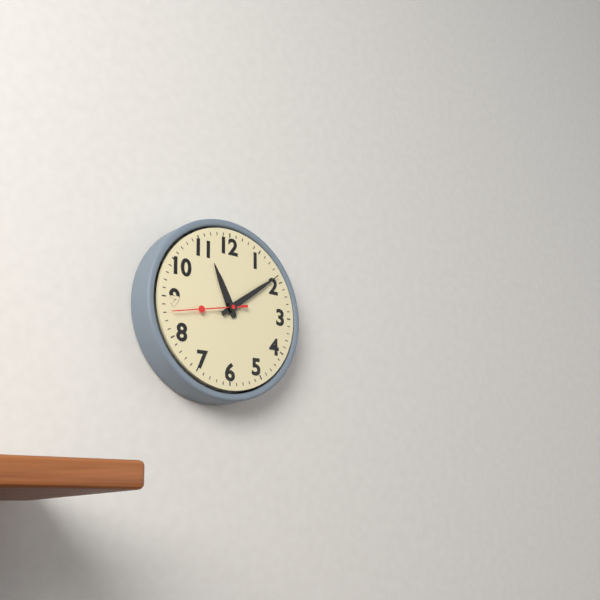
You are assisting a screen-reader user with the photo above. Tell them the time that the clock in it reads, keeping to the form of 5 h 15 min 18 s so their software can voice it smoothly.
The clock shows 11 h 09 min 43 s
